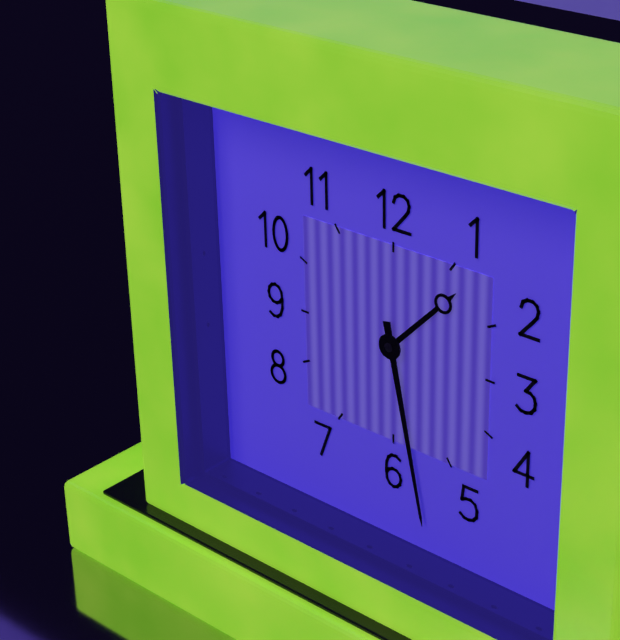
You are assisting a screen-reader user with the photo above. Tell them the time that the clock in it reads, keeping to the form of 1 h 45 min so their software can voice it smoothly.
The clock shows 1 h 28 min
